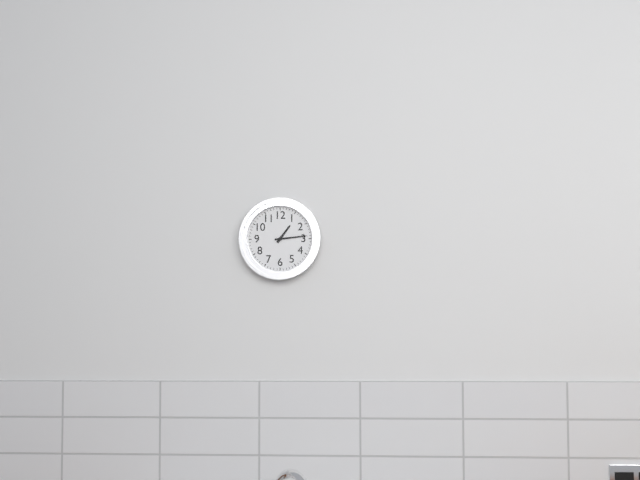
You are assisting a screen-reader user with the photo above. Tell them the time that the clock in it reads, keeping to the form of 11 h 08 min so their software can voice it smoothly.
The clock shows 1 h 14 min
